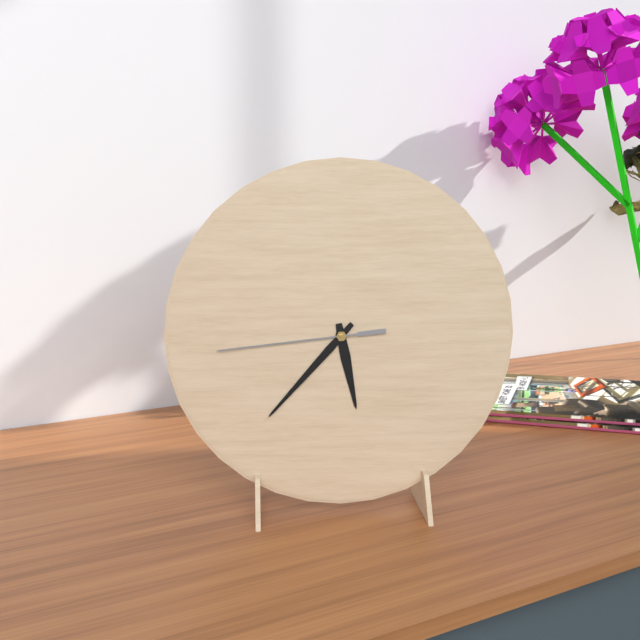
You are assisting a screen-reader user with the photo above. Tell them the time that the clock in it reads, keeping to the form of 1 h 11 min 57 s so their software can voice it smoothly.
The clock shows 5 h 37 min 44 s
